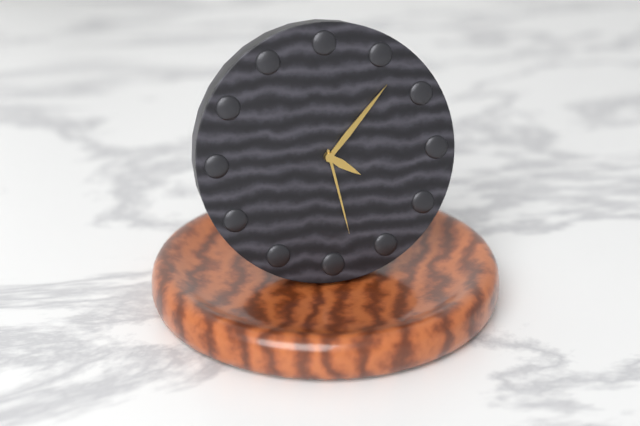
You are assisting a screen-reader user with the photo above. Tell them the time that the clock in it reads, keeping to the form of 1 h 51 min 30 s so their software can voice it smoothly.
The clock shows 4 h 07 min 28 s
